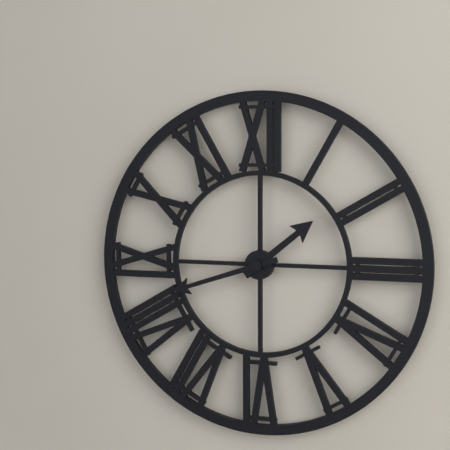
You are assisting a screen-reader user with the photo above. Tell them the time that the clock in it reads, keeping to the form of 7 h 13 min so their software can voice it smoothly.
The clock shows 1 h 42 min
